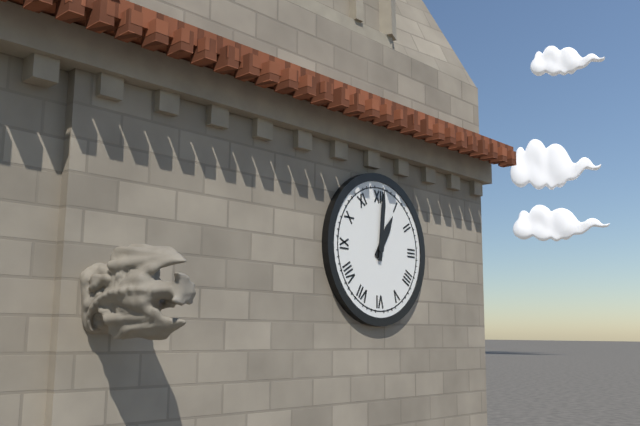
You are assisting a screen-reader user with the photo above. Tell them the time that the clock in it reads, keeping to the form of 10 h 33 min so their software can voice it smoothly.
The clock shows 1 h 01 min
